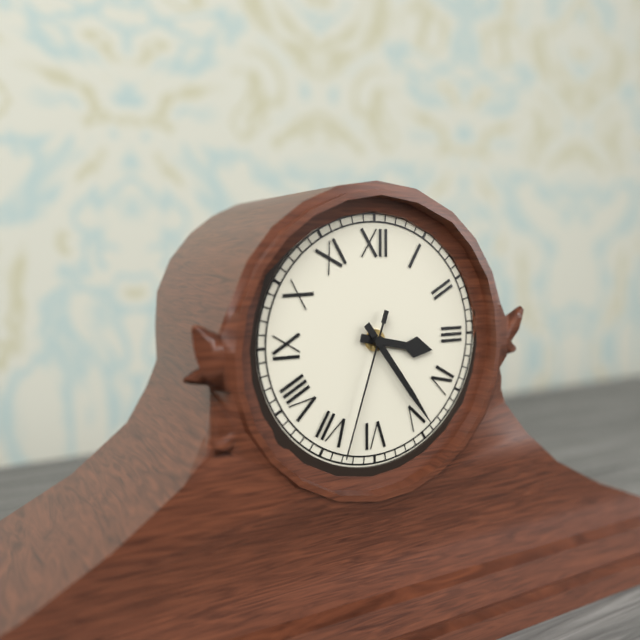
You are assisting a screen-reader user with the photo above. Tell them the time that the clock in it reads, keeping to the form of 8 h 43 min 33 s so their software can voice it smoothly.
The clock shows 3 h 24 min 33 s
